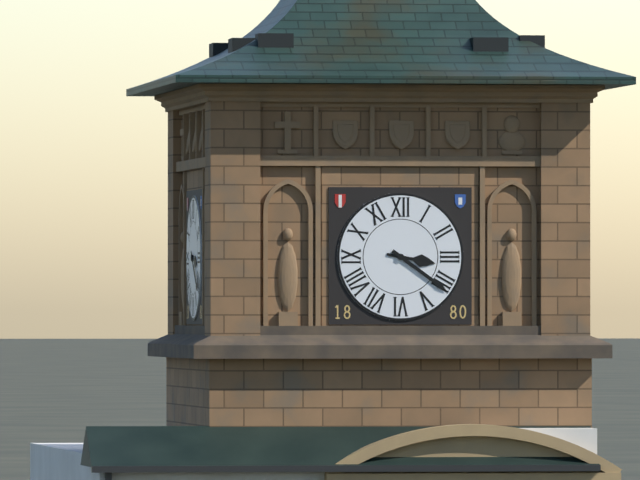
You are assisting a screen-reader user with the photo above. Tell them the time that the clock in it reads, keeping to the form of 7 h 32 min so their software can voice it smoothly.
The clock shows 3 h 21 min
